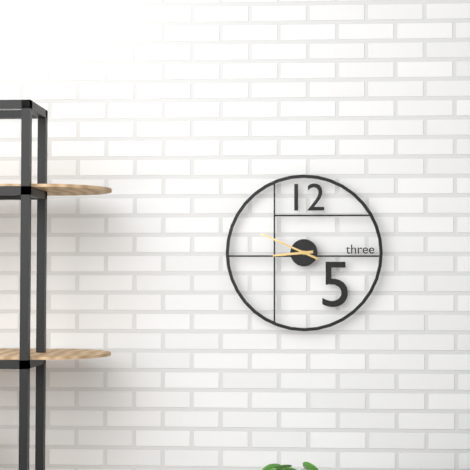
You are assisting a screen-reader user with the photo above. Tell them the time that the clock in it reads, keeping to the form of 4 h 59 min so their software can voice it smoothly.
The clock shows 8 h 49 min
